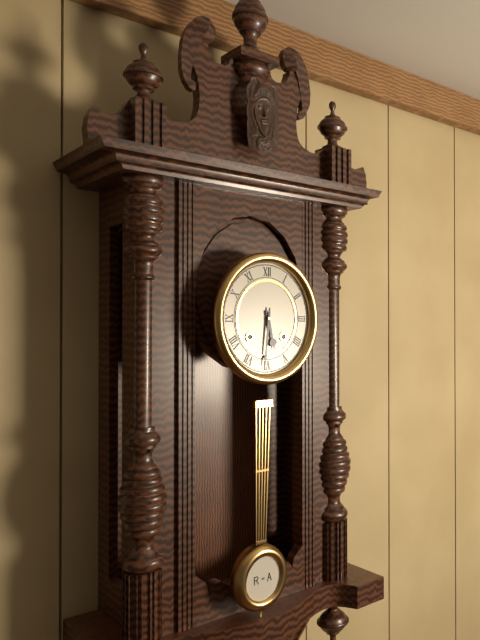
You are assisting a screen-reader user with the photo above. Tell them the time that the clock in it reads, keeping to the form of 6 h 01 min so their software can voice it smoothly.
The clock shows 5 h 31 min
